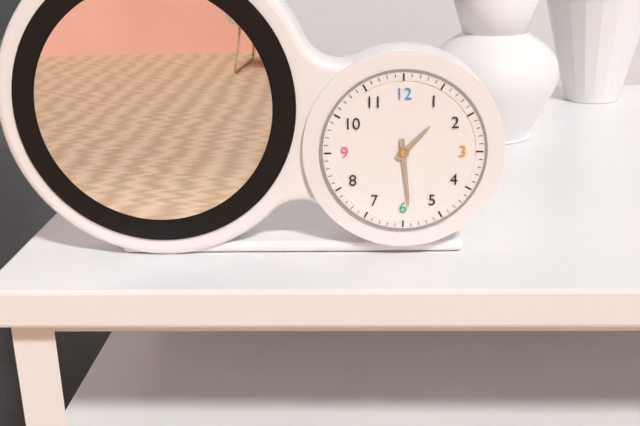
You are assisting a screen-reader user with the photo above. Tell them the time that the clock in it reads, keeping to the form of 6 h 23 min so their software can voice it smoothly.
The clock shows 1 h 29 min
